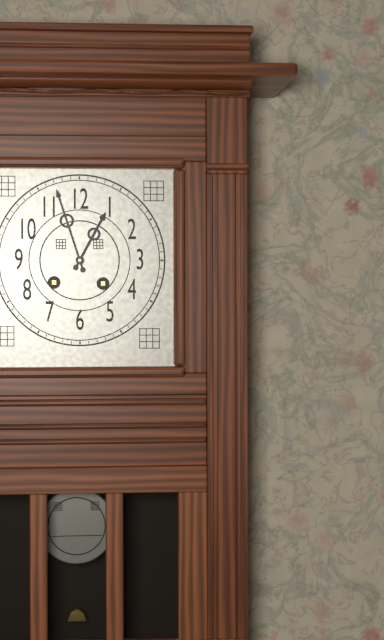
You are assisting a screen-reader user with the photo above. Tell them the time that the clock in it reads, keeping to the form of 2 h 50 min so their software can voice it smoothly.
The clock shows 12 h 57 min
